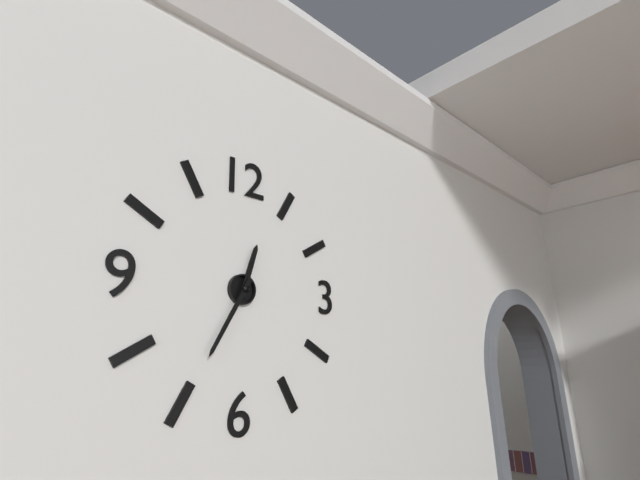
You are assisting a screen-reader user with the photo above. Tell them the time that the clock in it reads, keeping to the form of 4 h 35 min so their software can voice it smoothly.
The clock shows 12 h 35 min
